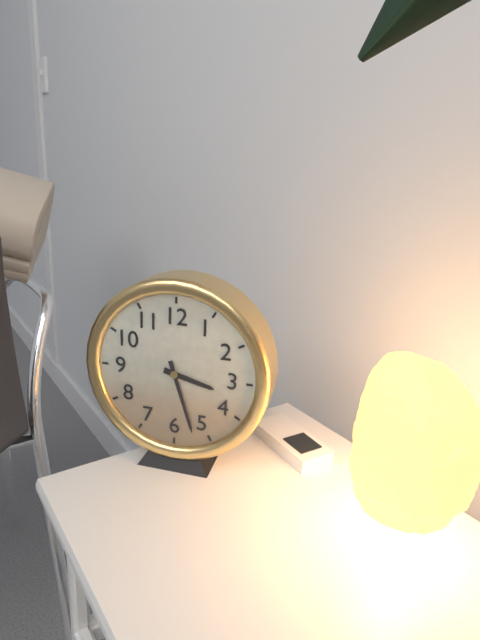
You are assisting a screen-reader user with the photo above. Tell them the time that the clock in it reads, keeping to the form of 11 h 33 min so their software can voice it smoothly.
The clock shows 3 h 27 min
